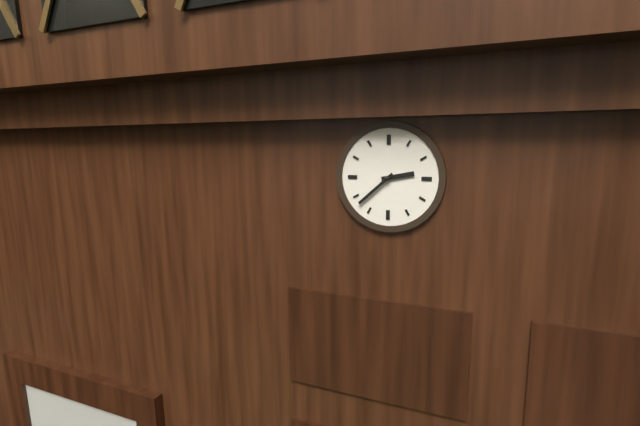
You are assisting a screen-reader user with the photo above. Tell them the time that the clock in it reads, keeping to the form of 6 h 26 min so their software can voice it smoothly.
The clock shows 2 h 38 min
